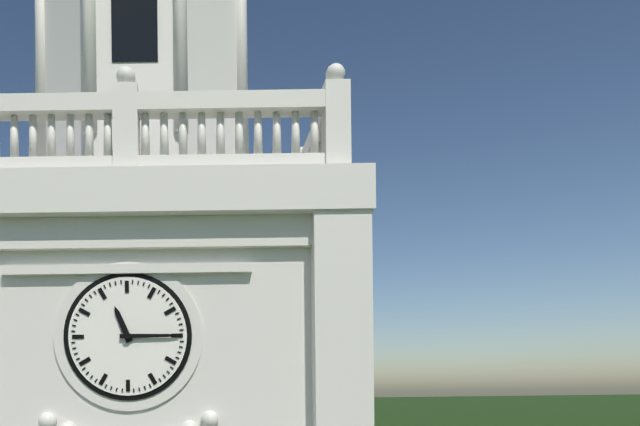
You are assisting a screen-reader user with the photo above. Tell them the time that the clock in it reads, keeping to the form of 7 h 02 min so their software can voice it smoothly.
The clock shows 11 h 15 min
